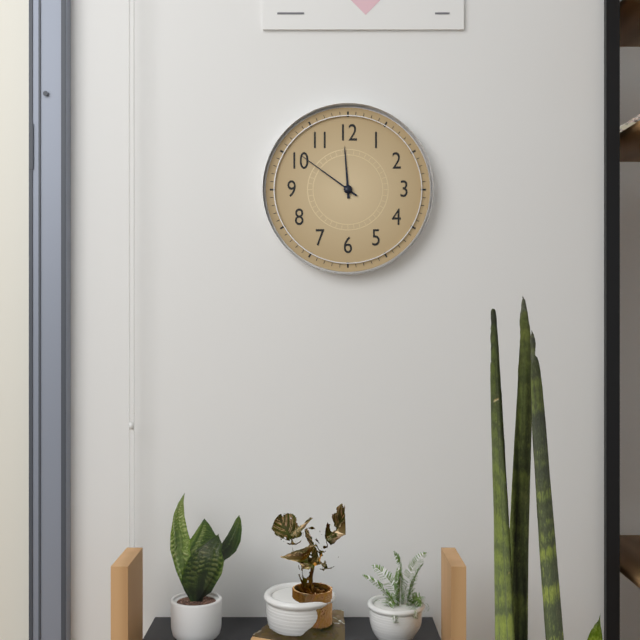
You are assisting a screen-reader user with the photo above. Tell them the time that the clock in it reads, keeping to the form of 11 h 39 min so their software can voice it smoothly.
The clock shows 11 h 51 min
